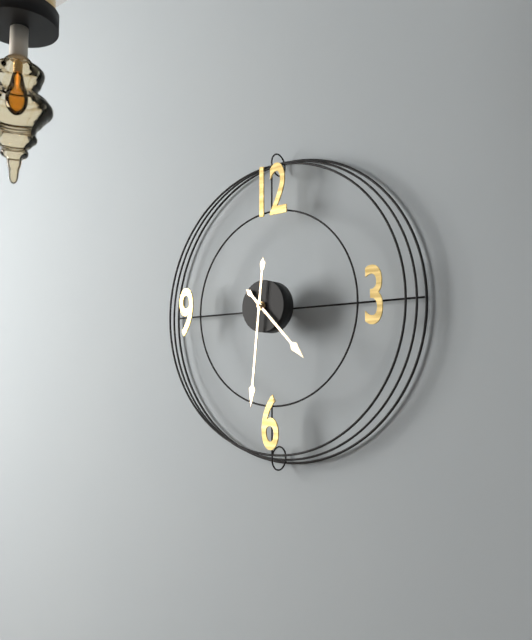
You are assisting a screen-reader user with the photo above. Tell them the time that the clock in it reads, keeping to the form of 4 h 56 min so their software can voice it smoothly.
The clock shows 4 h 31 min
